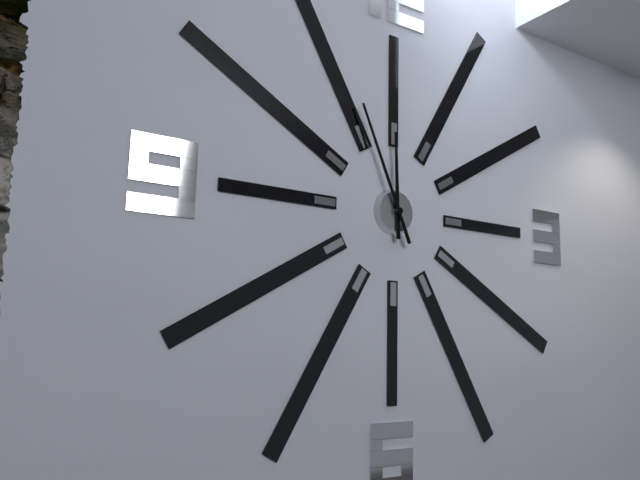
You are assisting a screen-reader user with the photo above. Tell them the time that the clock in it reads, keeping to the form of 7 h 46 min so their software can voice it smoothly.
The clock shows 11 h 56 min
